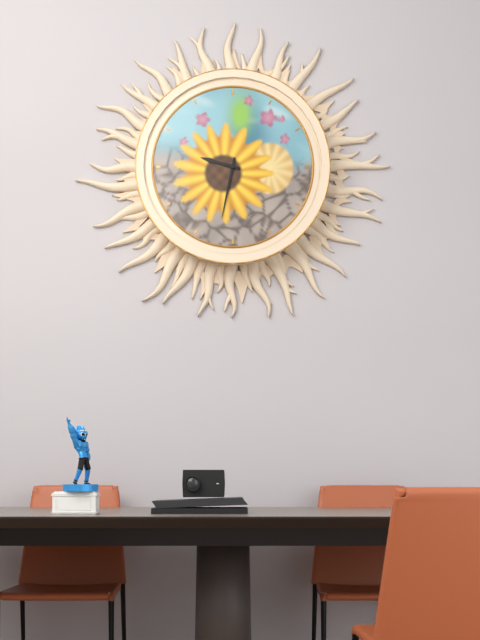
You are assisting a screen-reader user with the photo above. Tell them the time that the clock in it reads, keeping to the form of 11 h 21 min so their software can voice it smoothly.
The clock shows 9 h 32 min
